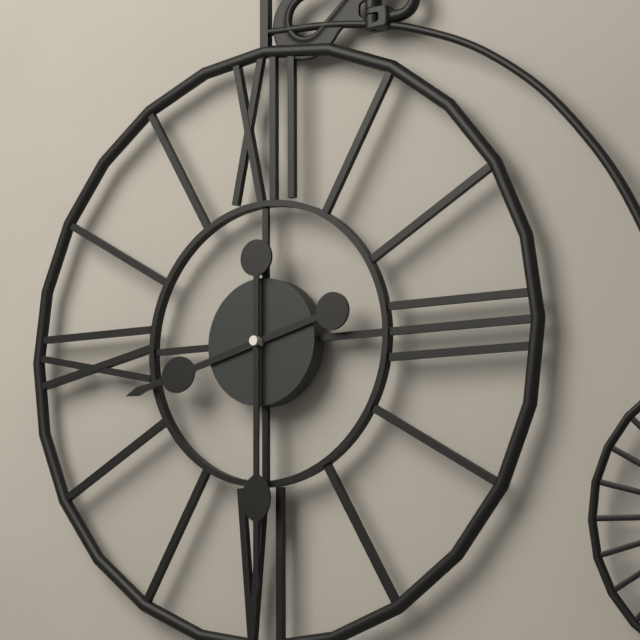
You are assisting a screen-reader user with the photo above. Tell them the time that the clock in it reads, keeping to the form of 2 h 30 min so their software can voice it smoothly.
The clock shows 8 h 30 min
